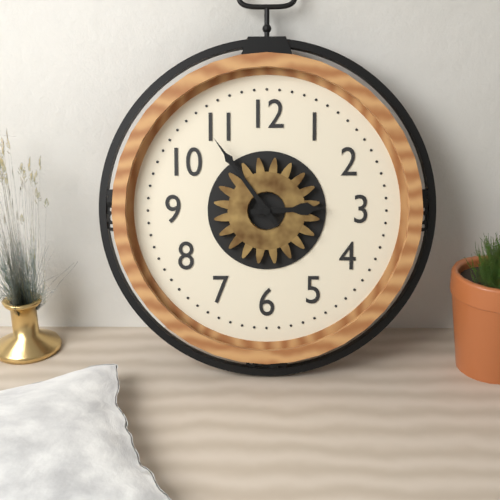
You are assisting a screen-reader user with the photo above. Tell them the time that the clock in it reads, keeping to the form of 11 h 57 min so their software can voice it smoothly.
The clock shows 2 h 54 min
